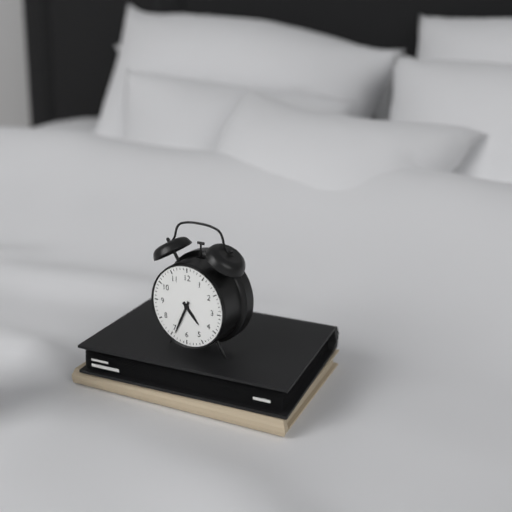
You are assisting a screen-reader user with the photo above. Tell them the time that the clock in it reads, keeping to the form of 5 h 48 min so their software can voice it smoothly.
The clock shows 4 h 34 min
